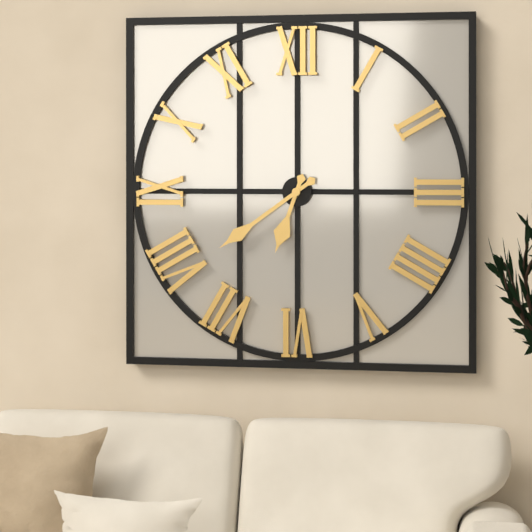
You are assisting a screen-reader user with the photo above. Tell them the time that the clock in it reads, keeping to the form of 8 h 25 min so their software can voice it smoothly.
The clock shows 6 h 39 min
